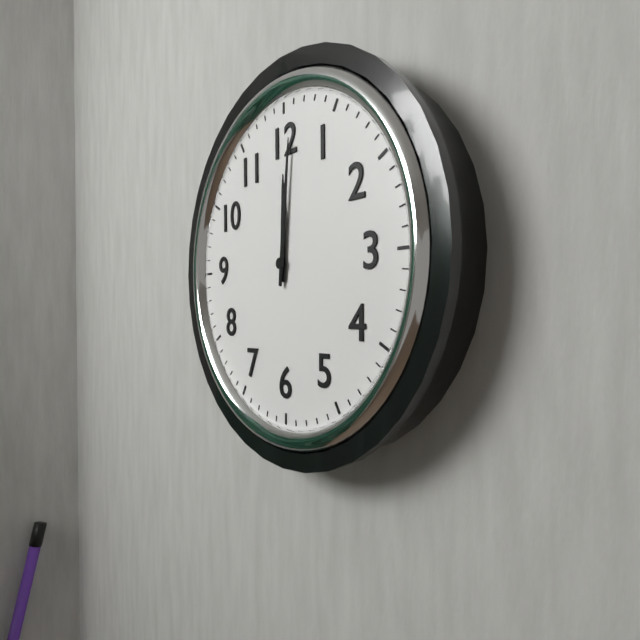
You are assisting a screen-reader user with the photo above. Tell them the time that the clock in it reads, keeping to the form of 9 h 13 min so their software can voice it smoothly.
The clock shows 12 h 01 min
